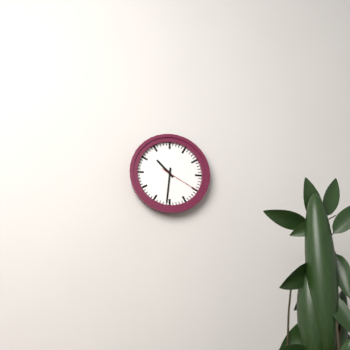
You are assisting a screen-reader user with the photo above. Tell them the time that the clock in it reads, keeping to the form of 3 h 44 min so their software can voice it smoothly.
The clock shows 10 h 31 min
